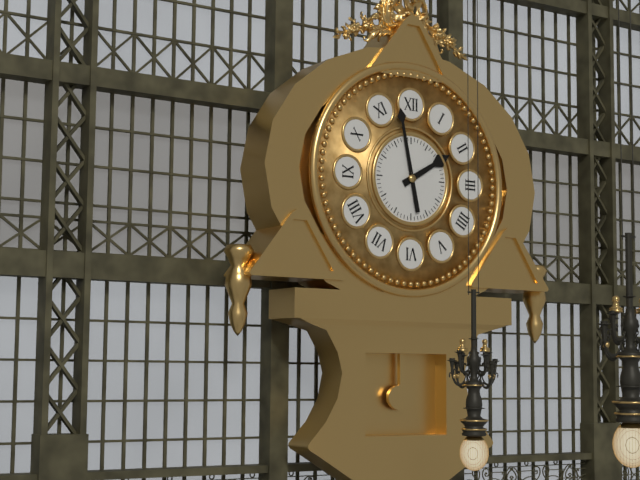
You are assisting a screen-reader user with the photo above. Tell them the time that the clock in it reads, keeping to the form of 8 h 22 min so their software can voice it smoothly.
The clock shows 1 h 58 min
